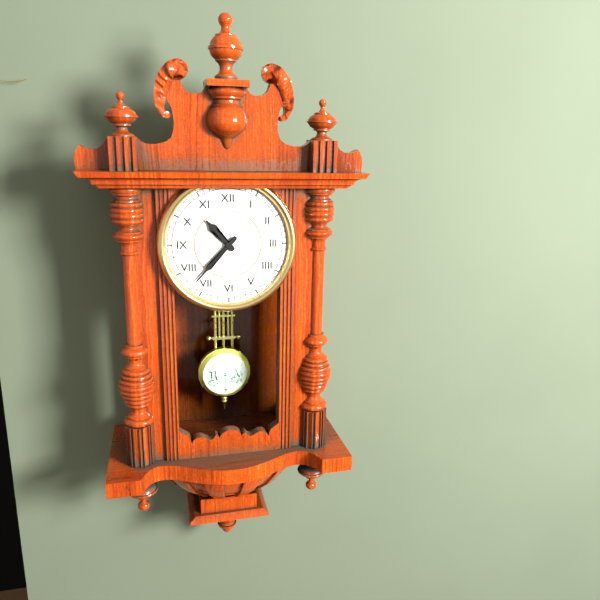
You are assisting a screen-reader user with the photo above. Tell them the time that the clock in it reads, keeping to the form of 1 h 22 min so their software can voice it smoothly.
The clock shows 10 h 37 min
